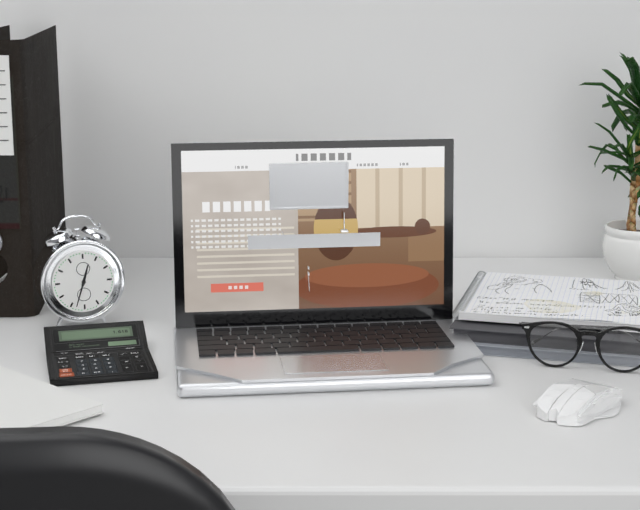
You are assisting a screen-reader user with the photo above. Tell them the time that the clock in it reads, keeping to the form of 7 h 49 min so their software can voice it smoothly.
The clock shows 12 h 33 min
